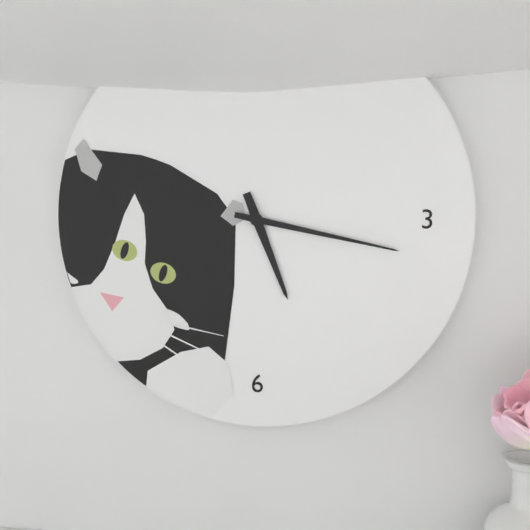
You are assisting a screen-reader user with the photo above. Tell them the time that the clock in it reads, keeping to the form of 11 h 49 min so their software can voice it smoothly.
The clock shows 5 h 17 min
